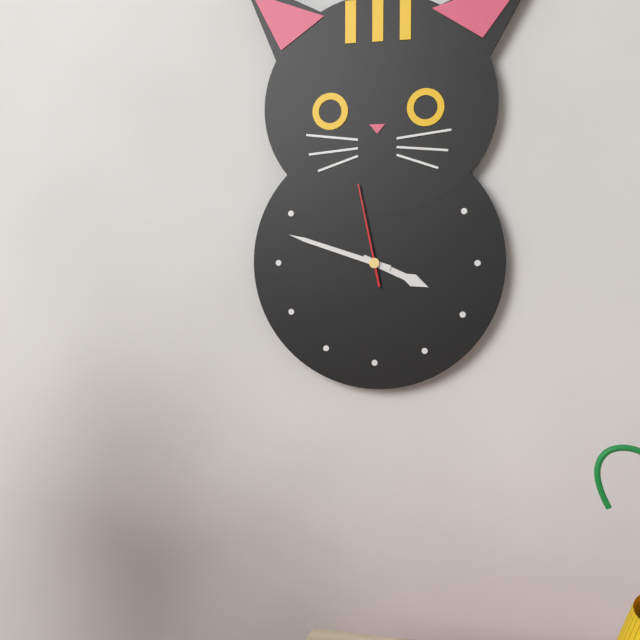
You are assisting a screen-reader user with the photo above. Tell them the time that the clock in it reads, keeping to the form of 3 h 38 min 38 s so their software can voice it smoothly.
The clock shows 3 h 48 min 58 s
